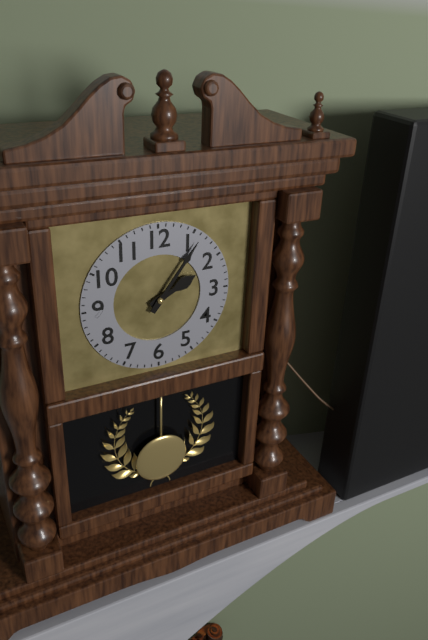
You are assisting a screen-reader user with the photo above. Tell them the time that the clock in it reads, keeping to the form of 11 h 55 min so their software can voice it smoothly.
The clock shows 2 h 06 min
